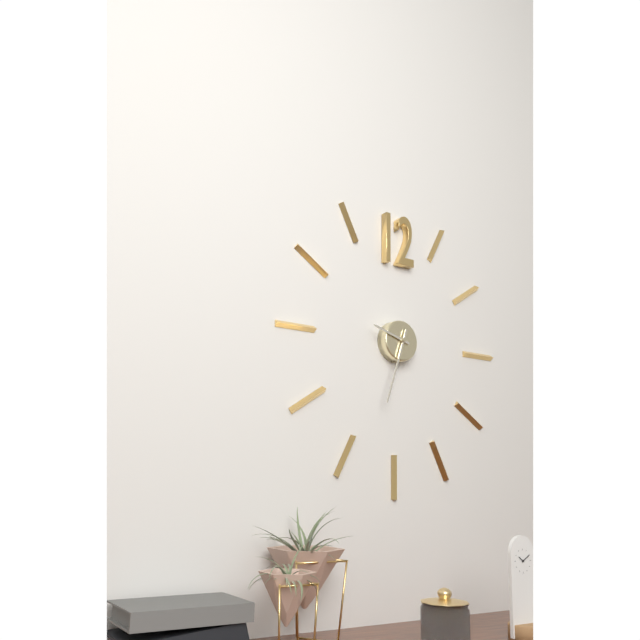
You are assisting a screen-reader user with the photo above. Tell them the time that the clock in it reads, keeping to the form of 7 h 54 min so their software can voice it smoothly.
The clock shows 9 h 33 min
